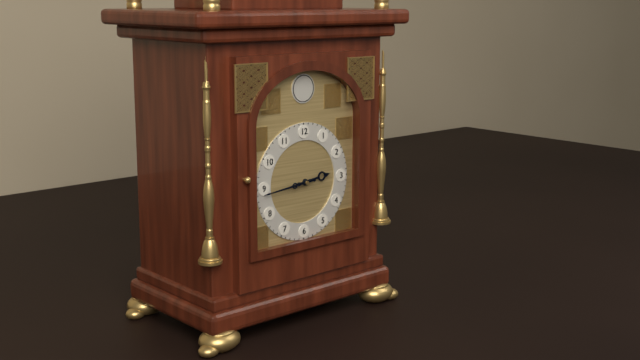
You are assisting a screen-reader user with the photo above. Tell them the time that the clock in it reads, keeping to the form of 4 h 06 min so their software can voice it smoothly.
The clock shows 2 h 44 min
